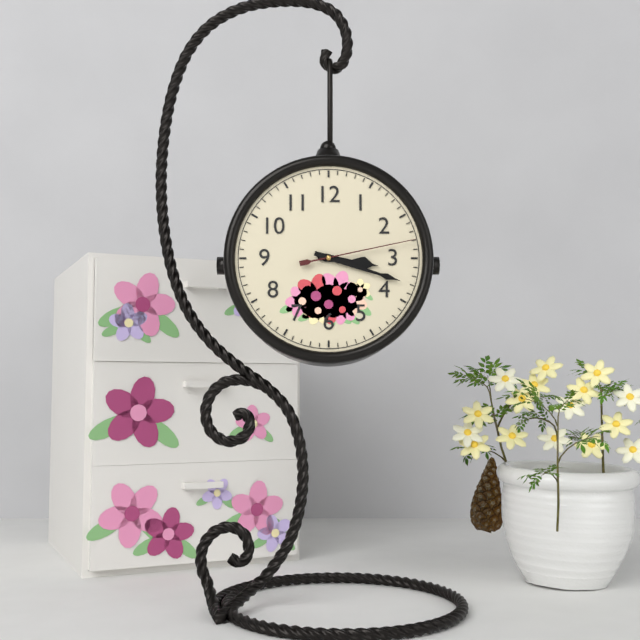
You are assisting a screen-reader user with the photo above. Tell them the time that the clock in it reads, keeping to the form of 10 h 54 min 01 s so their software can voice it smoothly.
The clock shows 3 h 18 min 13 s
